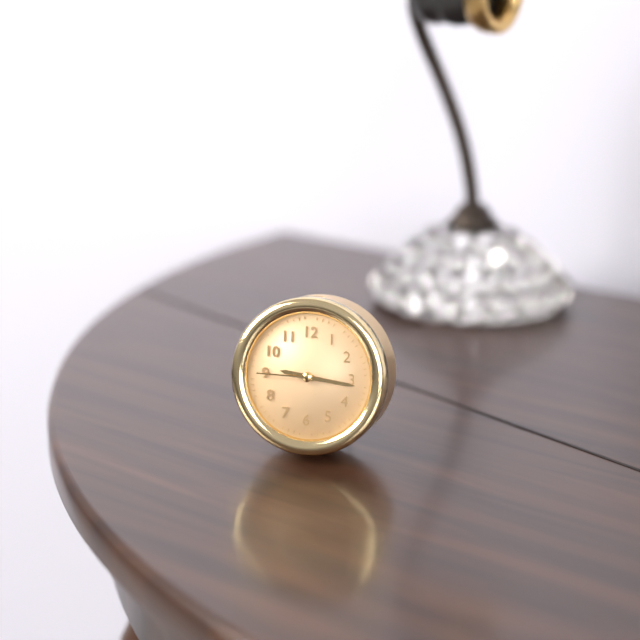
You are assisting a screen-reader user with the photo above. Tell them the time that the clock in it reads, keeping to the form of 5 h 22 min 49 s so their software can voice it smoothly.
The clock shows 9 h 16 min 45 s
